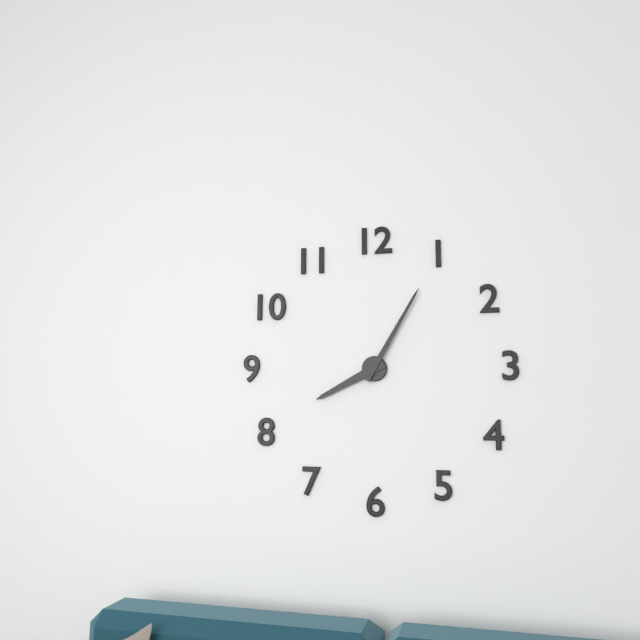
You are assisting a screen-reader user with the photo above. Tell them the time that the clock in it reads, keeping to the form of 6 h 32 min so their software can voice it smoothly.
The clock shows 8 h 05 min
